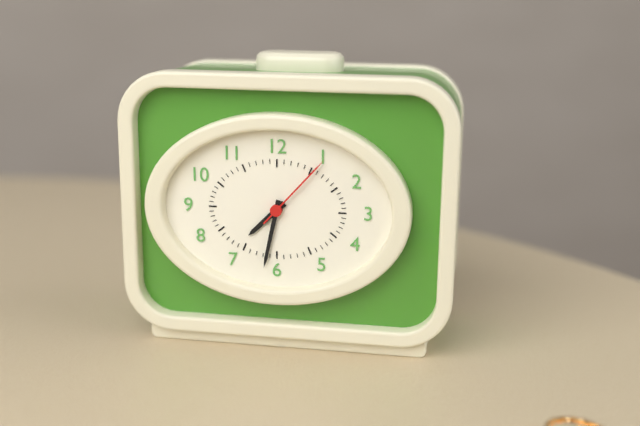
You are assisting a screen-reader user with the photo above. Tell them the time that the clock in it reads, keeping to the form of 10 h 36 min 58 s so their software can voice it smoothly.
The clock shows 7 h 32 min 07 s
